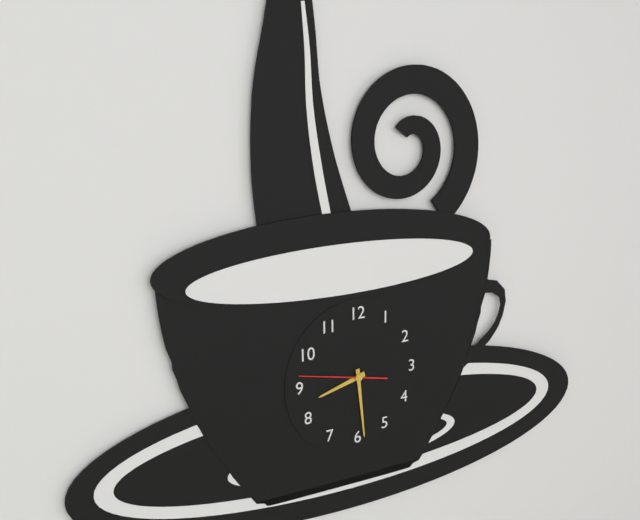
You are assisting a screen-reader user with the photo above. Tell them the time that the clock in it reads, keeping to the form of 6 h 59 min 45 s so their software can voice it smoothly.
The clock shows 8 h 29 min 47 s
